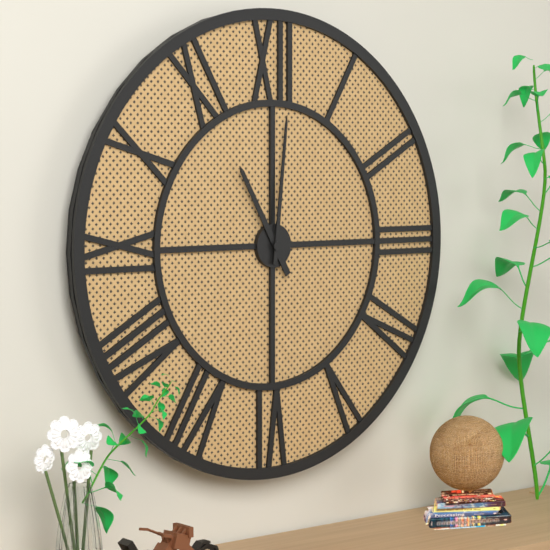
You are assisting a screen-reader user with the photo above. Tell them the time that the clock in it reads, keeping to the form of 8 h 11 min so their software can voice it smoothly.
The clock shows 11 h 01 min
